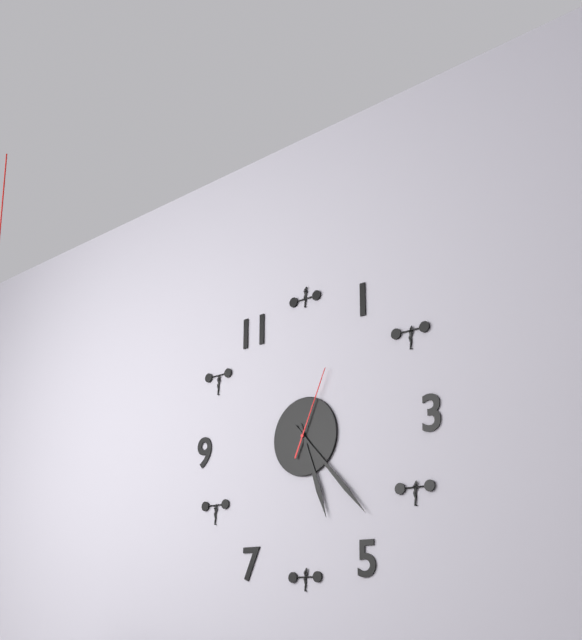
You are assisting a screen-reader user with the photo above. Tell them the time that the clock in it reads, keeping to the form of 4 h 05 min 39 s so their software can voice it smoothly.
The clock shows 5 h 23 min 04 s
